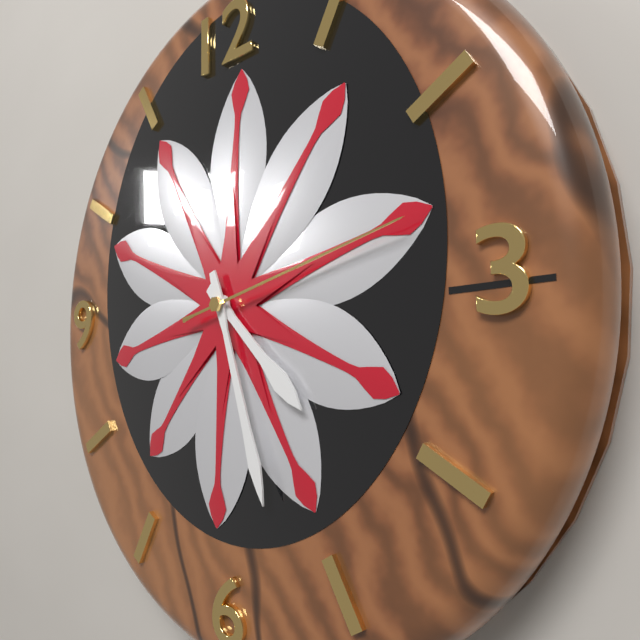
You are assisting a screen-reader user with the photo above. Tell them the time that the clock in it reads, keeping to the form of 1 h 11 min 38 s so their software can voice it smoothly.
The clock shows 4 h 27 min 13 s
